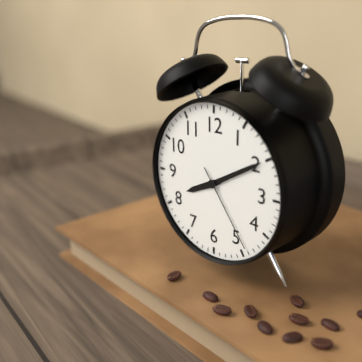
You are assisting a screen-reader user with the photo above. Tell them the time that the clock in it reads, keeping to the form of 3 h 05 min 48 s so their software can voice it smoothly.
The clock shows 8 h 10 min 24 s
